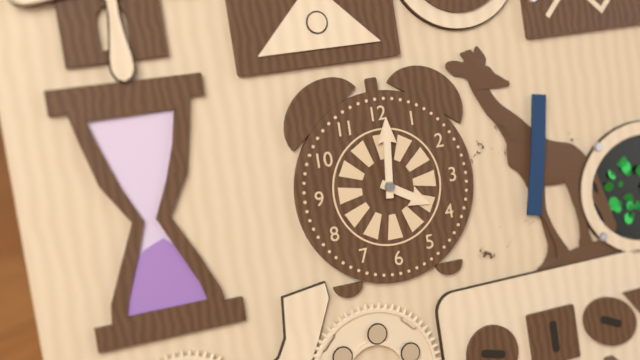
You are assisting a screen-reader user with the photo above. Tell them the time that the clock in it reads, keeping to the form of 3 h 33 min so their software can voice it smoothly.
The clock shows 4 h 01 min
